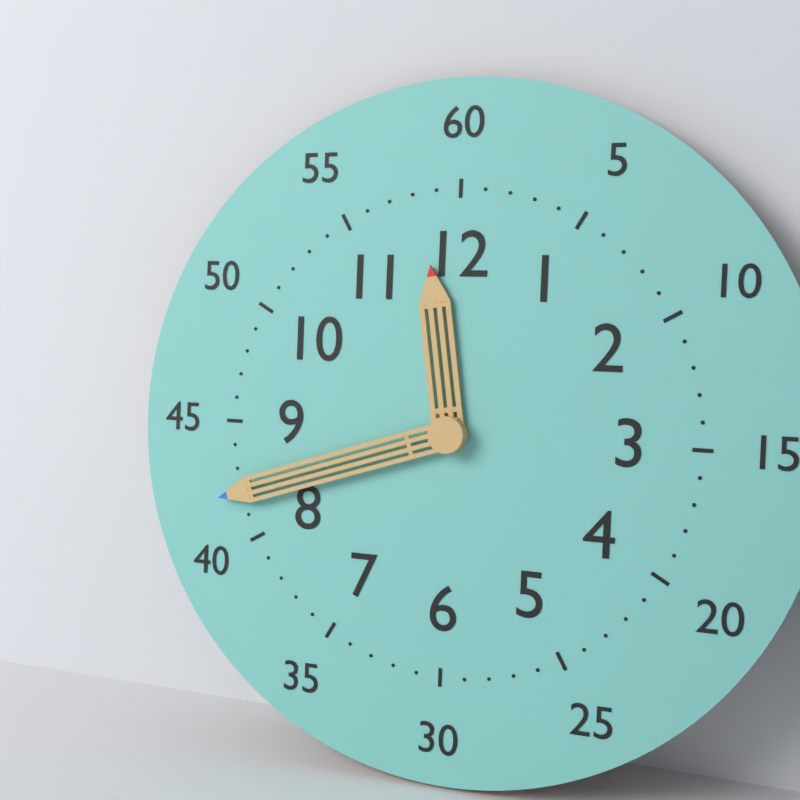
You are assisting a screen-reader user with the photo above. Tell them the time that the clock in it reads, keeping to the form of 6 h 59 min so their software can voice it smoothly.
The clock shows 11 h 42 min
